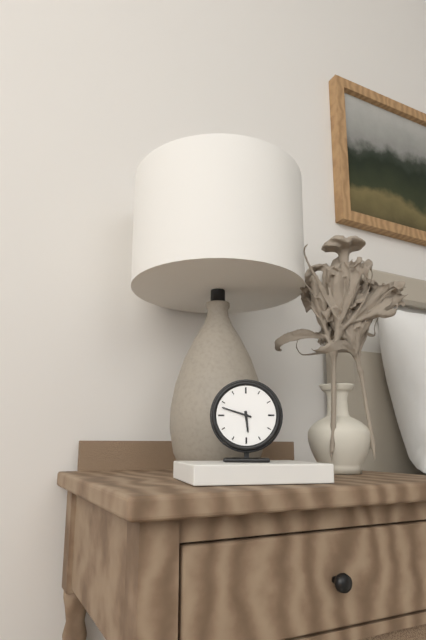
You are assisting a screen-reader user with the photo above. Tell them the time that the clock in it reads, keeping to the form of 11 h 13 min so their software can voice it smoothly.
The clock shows 5 h 48 min
